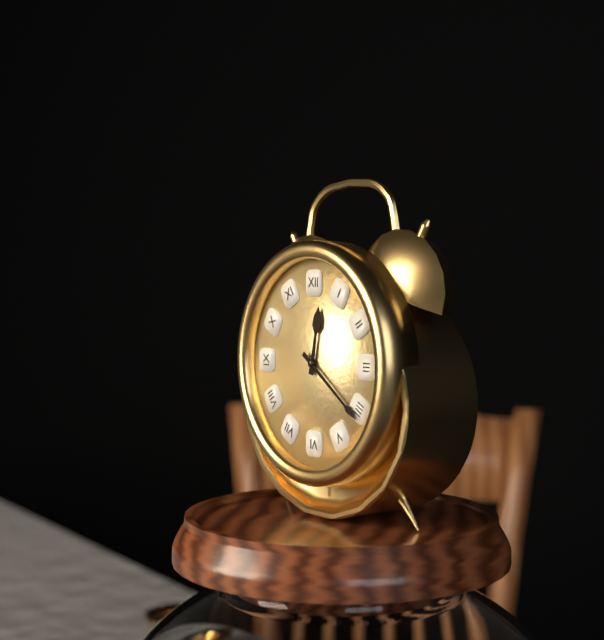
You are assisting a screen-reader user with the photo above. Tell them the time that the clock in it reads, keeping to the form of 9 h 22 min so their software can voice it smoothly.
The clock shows 12 h 21 min
